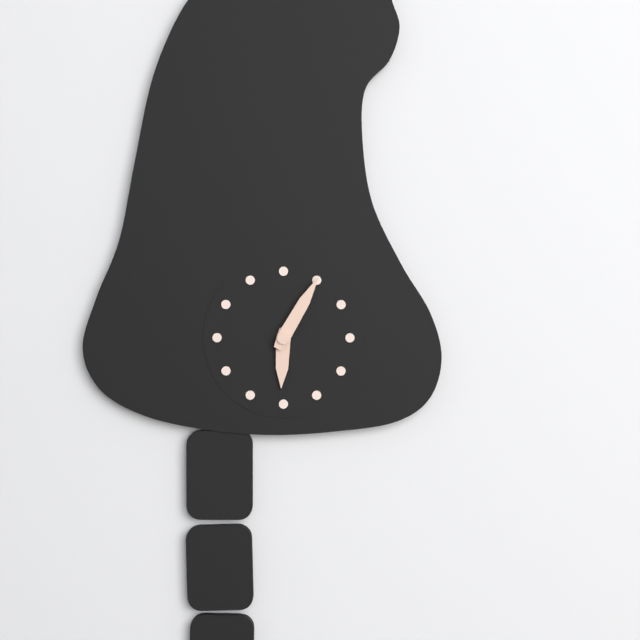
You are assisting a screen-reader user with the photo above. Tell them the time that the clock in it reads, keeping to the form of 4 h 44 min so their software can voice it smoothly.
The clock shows 6 h 05 min
